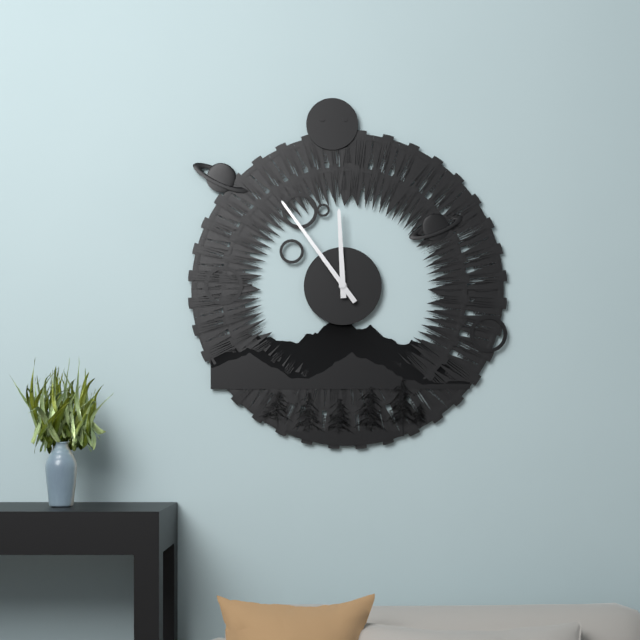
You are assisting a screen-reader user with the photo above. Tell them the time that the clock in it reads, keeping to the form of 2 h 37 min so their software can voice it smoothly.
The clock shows 11 h 54 min
